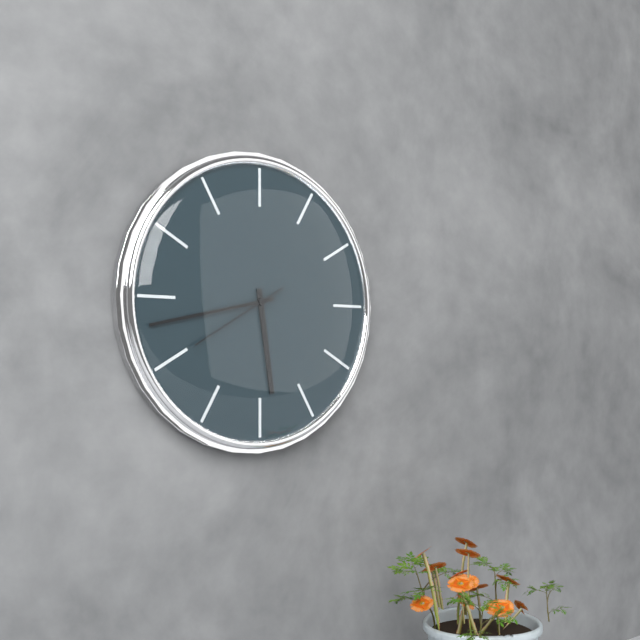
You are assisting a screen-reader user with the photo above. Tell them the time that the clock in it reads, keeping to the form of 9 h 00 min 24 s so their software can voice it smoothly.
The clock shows 5 h 43 min 40 s
